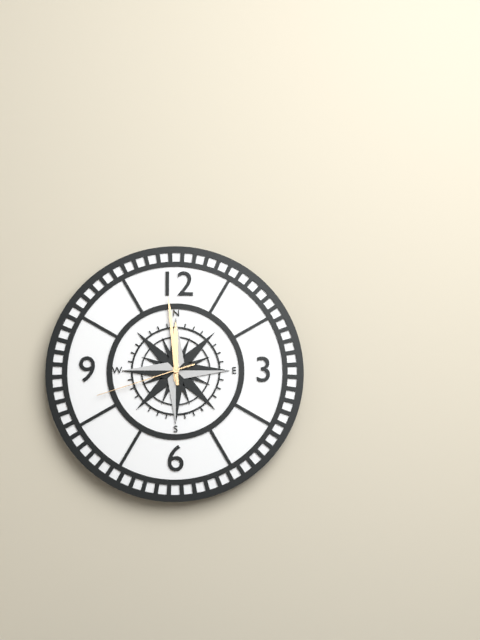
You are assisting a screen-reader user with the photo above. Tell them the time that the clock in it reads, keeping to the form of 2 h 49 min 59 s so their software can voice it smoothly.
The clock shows 11 h 59 min 42 s
